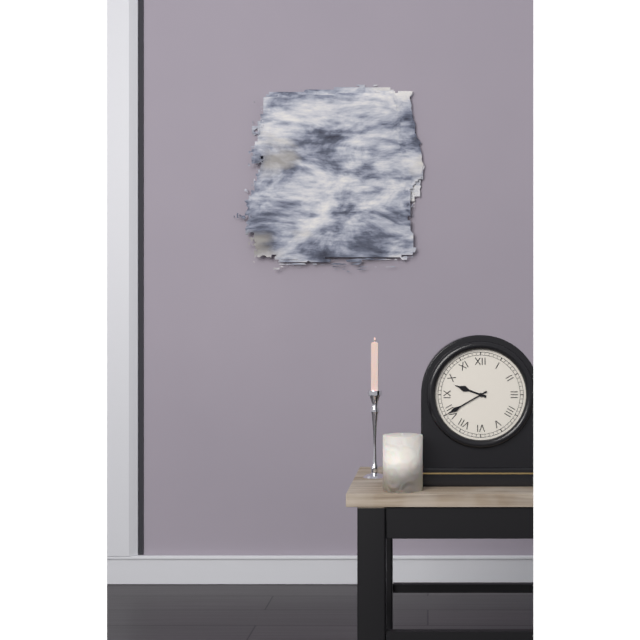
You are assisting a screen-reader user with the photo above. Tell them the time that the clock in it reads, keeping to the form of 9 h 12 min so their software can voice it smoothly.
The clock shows 9 h 40 min
